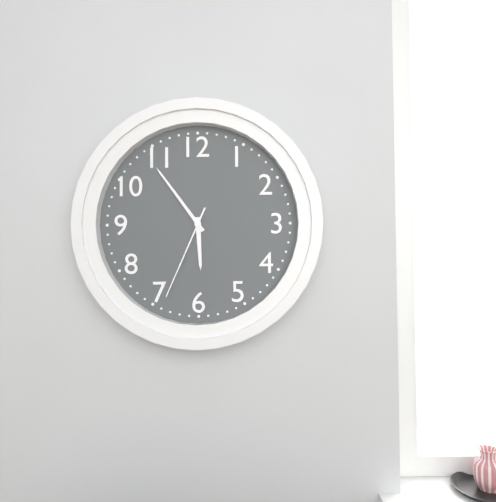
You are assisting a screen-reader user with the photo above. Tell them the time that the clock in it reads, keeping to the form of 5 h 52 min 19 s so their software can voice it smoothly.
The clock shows 5 h 54 min 34 s
